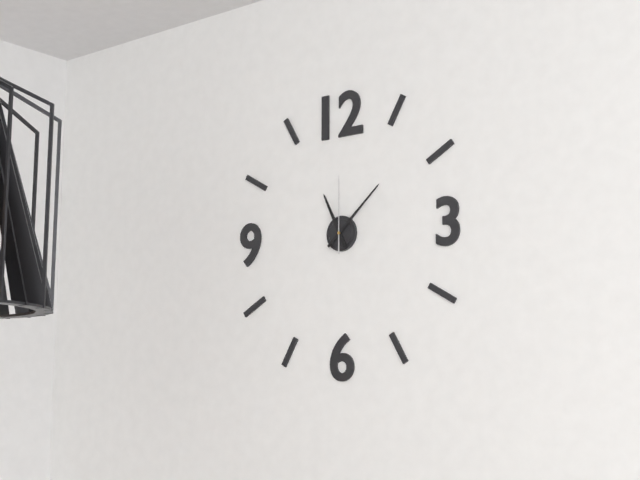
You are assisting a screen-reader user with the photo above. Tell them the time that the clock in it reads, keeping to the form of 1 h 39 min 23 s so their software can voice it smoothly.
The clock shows 11 h 08 min 00 s
